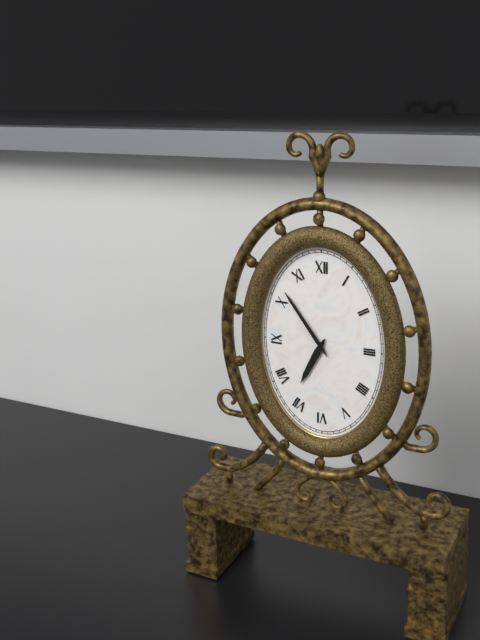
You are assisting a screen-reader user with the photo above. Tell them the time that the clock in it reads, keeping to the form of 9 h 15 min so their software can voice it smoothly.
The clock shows 6 h 54 min
